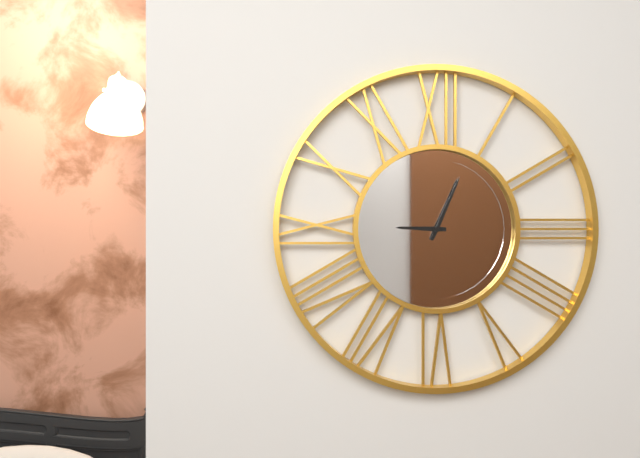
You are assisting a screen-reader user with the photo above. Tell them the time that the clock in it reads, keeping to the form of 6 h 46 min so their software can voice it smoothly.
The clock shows 9 h 04 min
